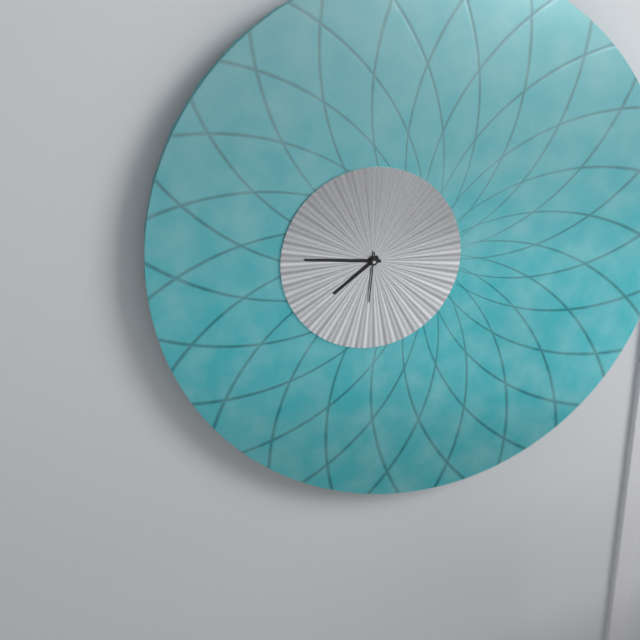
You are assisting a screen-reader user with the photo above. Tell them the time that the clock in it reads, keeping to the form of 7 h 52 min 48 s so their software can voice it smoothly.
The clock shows 7 h 46 min 31 s
